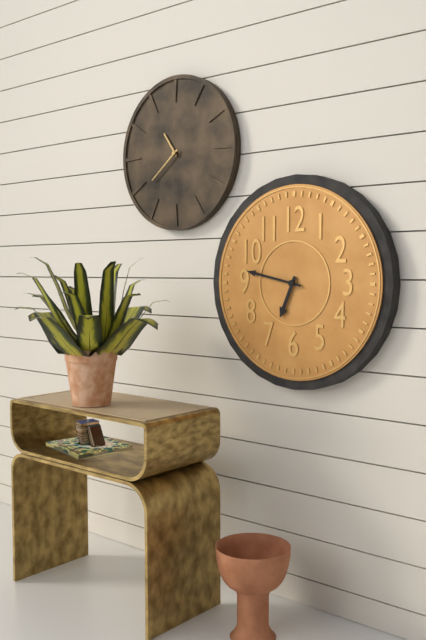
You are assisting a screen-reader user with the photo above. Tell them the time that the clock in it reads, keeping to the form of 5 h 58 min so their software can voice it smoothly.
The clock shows 6 h 47 min
